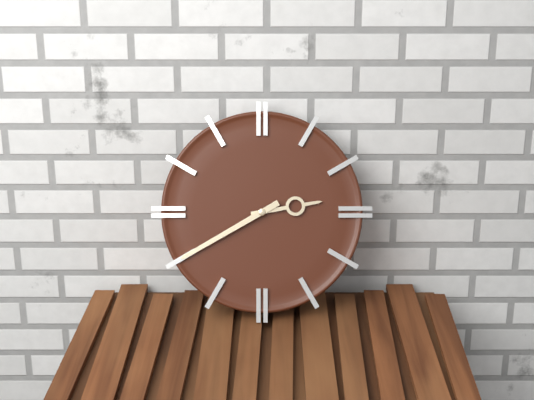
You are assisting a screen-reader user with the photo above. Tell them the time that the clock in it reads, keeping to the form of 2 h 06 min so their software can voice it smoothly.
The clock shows 2 h 40 min
